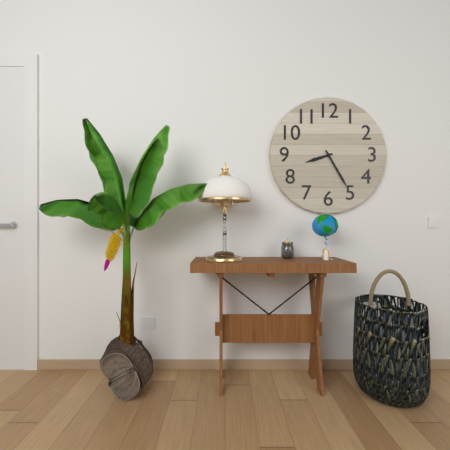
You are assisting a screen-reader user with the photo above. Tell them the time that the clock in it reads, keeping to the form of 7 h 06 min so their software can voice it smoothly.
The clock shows 8 h 25 min
